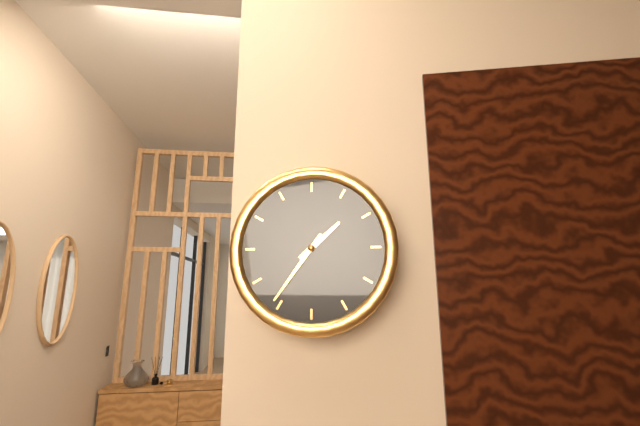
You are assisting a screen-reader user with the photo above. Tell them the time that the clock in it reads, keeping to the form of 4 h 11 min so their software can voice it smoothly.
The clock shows 1 h 36 min
